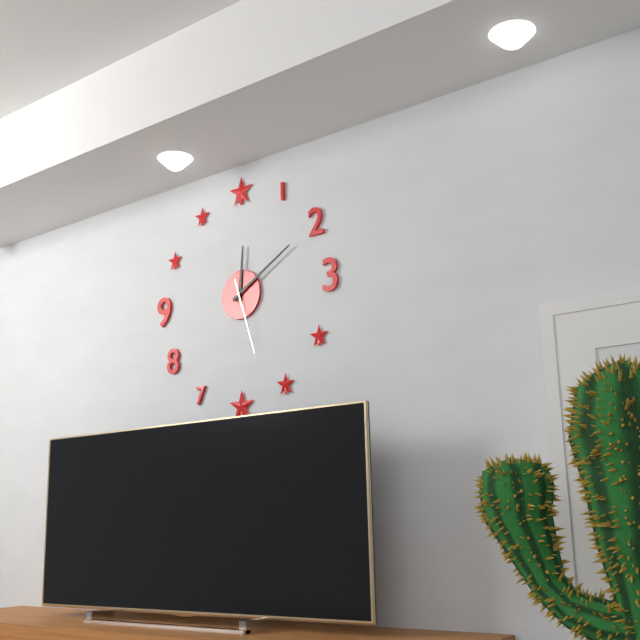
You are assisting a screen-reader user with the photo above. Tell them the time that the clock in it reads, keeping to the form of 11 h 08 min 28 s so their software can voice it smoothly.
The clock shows 12 h 10 min 27 s
